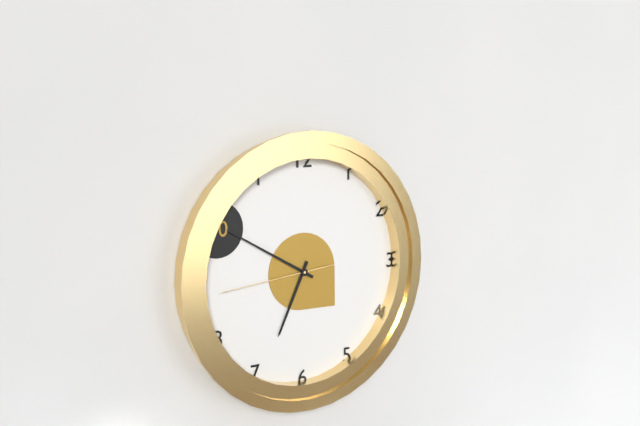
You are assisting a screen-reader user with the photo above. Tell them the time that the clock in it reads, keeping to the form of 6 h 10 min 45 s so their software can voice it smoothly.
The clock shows 6 h 50 min 44 s
